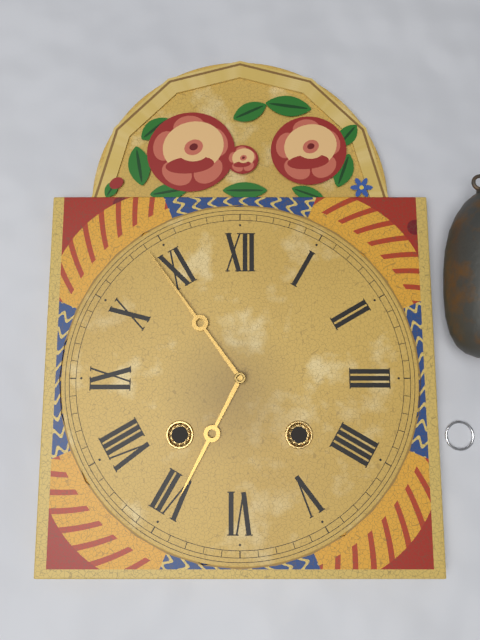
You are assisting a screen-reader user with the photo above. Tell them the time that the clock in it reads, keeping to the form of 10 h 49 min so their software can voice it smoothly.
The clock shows 6 h 54 min
